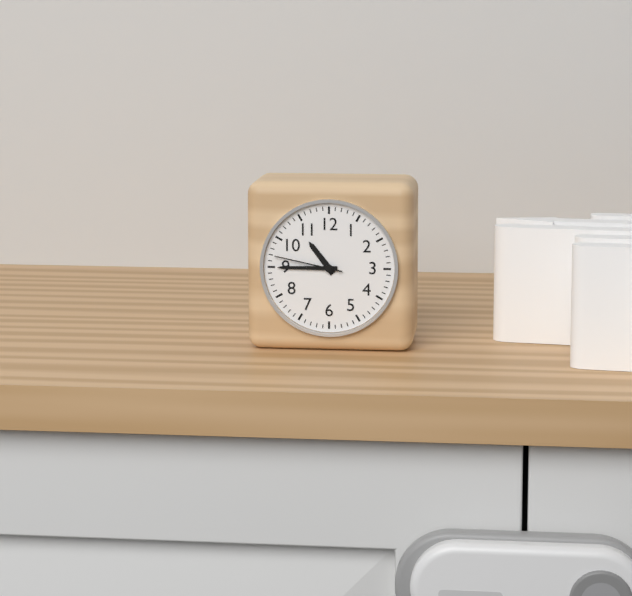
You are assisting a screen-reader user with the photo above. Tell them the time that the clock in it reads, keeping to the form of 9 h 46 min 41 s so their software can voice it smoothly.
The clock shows 10 h 45 min 47 s
